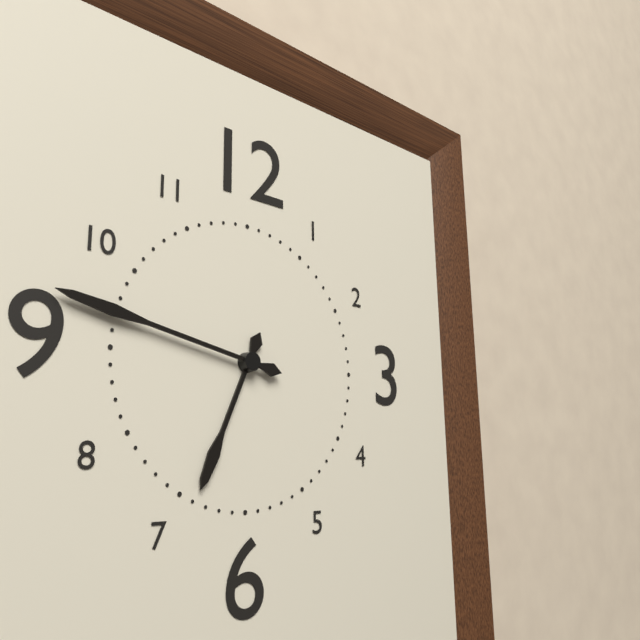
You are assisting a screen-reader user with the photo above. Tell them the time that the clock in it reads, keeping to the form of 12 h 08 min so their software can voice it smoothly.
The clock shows 6 h 47 min
